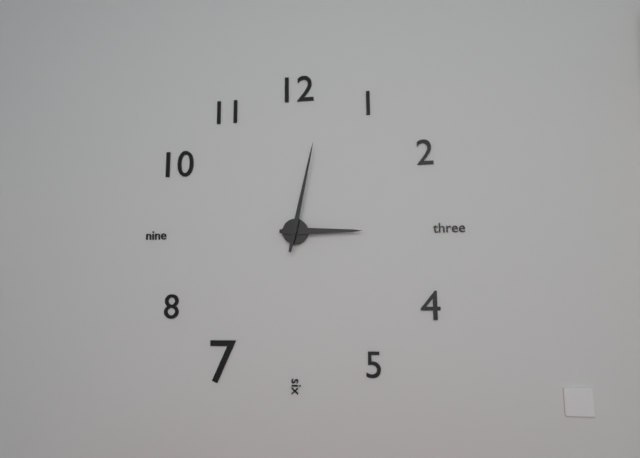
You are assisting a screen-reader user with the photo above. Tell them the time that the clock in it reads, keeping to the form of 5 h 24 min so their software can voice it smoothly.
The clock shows 3 h 02 min
